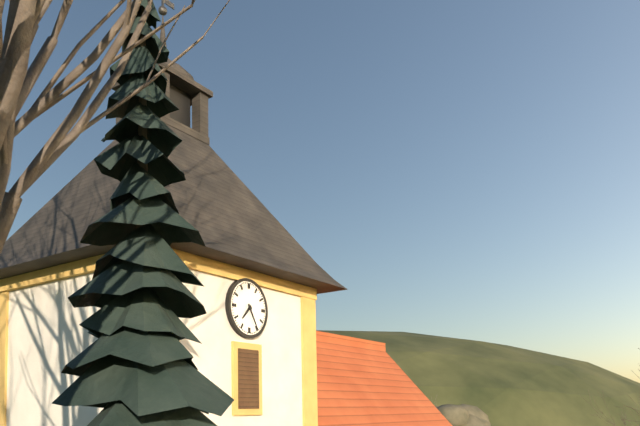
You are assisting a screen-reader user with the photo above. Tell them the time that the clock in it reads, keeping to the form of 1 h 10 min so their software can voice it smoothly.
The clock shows 7 h 25 min
